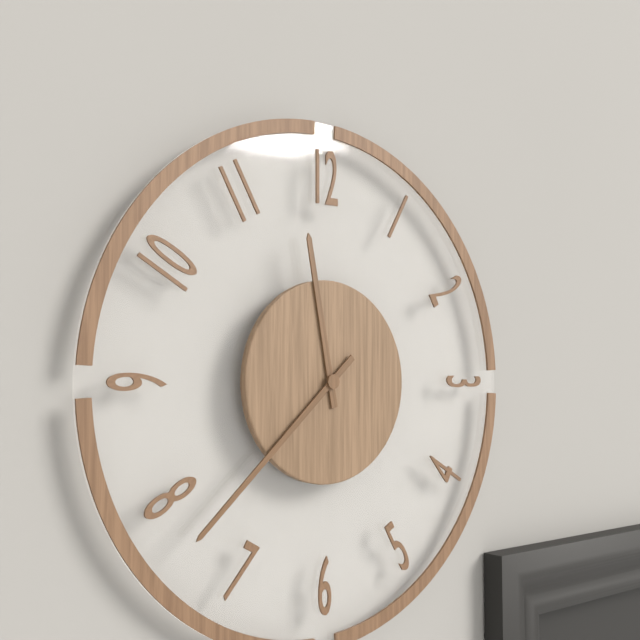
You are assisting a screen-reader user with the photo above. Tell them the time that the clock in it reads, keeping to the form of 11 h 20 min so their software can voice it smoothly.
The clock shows 11 h 38 min
